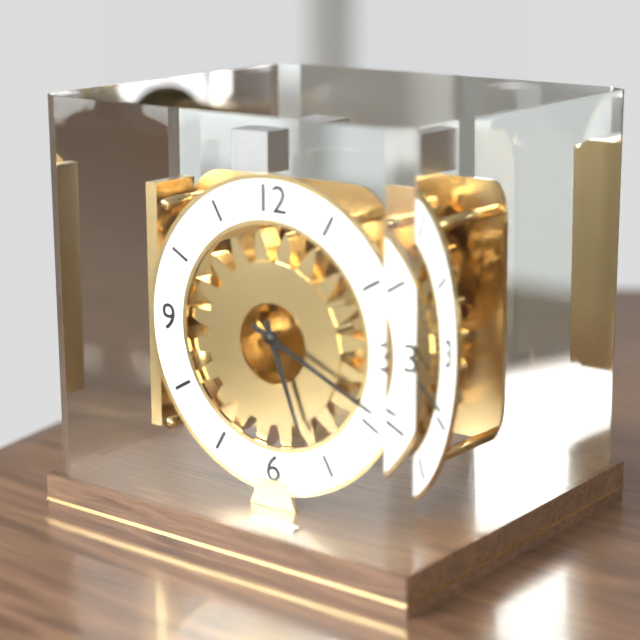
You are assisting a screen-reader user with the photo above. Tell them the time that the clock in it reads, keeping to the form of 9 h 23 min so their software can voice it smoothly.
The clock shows 5 h 19 min
